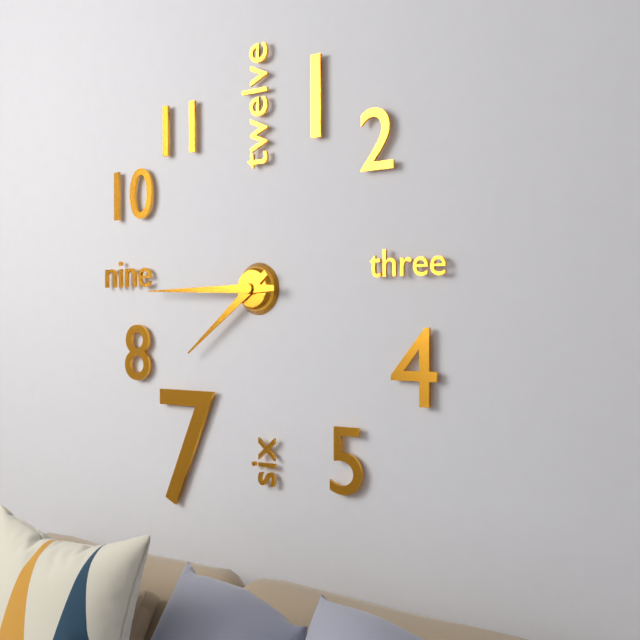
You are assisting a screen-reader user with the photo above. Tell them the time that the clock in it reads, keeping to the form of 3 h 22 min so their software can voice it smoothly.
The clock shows 7 h 45 min
